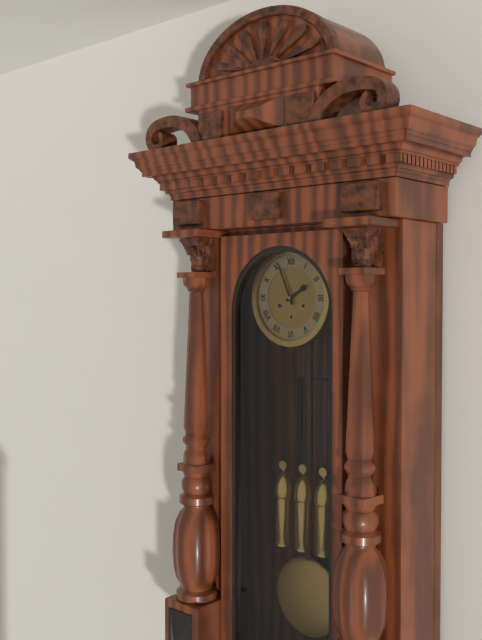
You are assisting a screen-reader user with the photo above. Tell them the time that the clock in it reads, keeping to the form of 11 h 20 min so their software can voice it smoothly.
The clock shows 1 h 56 min
